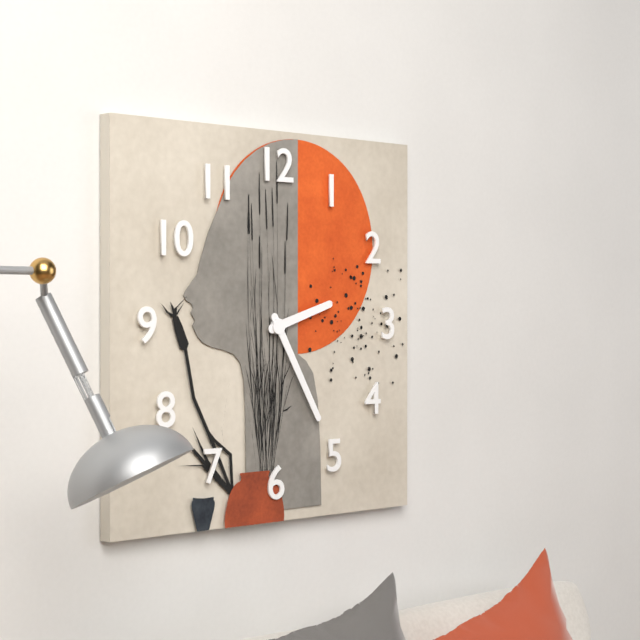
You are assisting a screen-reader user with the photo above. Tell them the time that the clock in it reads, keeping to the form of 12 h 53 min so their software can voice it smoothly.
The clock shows 2 h 25 min
